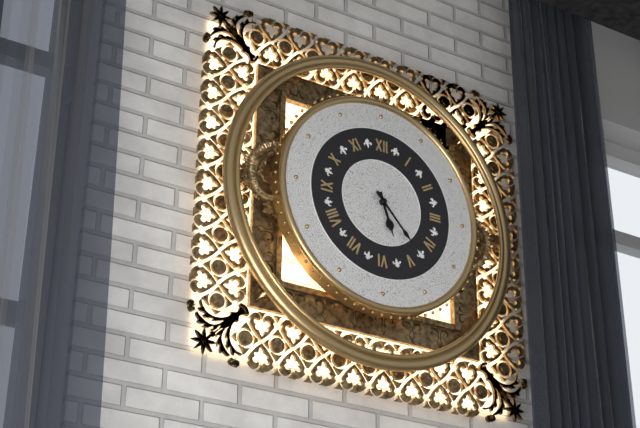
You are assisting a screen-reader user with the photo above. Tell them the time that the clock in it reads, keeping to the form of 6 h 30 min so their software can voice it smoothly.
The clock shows 5 h 23 min
